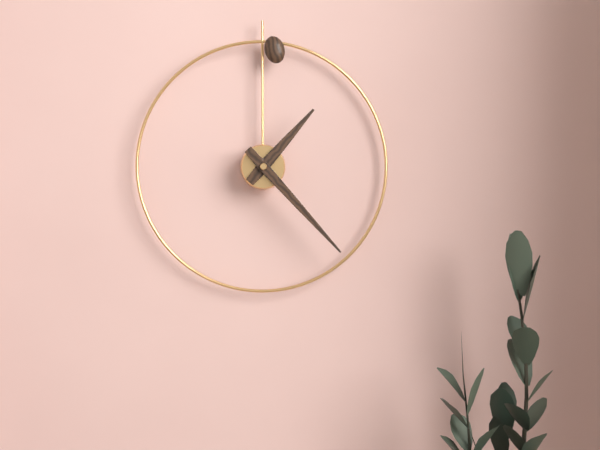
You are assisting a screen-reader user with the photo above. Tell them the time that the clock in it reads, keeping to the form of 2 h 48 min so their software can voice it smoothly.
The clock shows 1 h 23 min
